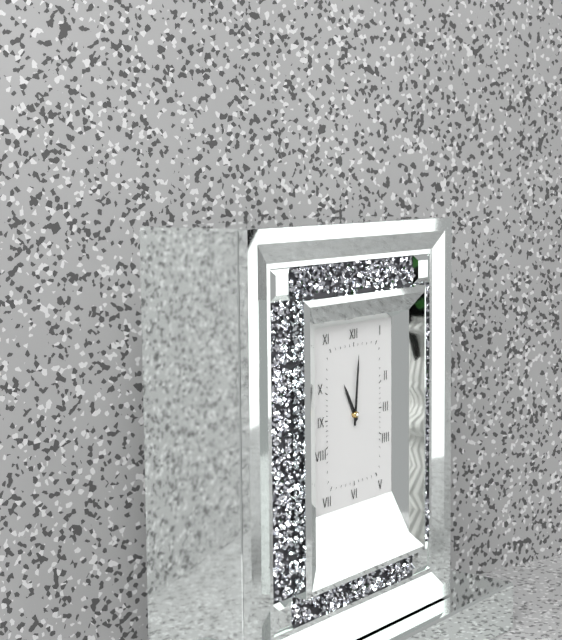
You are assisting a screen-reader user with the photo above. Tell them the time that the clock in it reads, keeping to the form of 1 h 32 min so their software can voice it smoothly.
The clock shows 11 h 01 min
